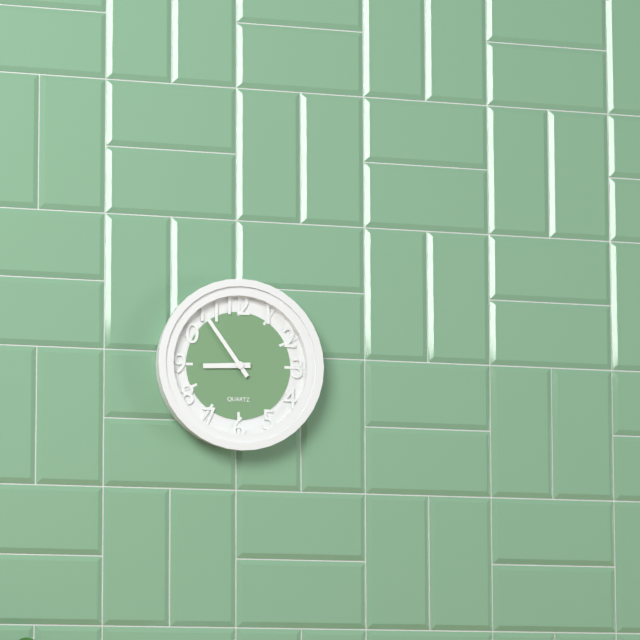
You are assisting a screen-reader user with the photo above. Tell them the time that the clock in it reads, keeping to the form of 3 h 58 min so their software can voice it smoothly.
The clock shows 8 h 54 min
